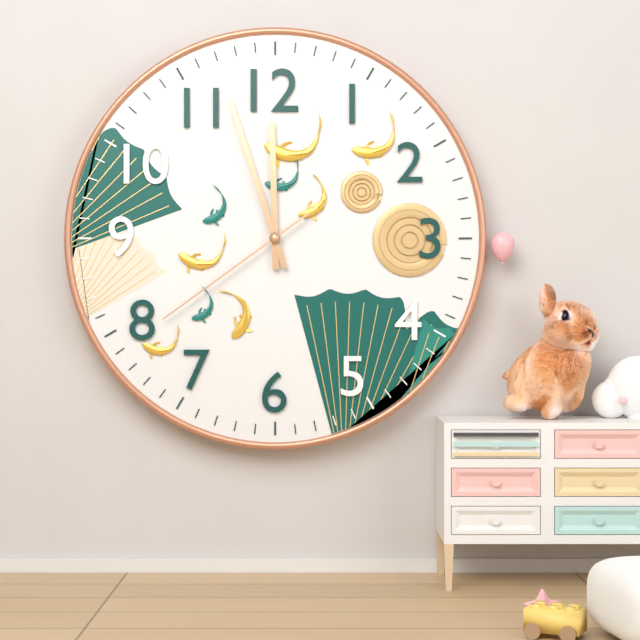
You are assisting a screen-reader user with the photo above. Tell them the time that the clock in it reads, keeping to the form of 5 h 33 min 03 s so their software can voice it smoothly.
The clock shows 11 h 57 min 39 s
